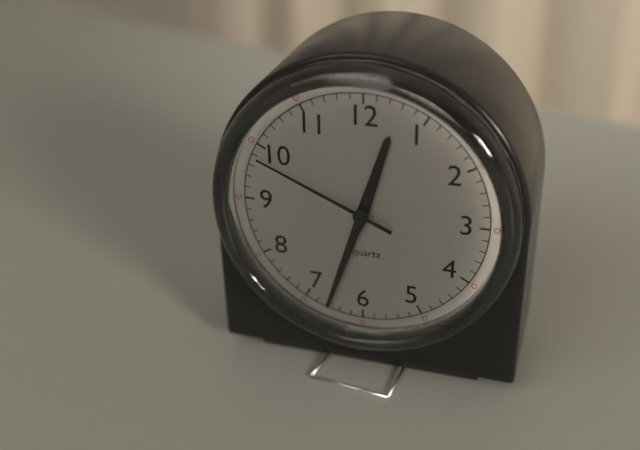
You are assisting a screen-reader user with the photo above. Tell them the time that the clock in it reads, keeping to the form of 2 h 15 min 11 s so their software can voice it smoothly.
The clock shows 12 h 33 min 49 s
